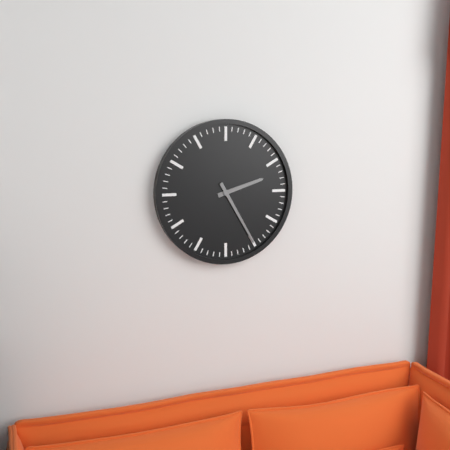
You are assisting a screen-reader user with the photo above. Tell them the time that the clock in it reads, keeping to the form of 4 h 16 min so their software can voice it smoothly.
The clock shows 2 h 25 min
